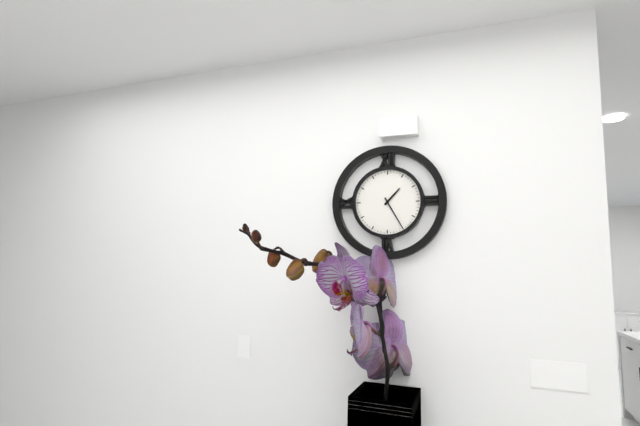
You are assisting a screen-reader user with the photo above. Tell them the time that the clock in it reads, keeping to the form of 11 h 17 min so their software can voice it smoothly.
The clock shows 1 h 25 min
